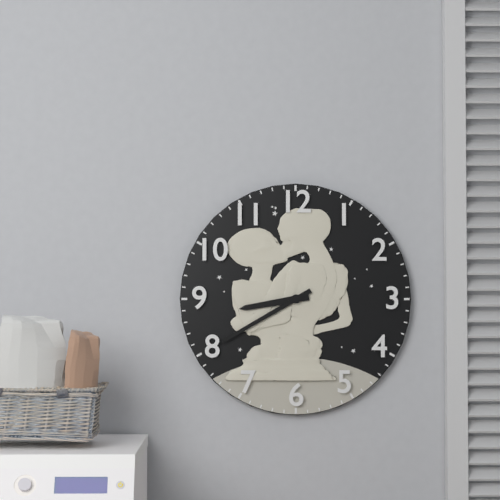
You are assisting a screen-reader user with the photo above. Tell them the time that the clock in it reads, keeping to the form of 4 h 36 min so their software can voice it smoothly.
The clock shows 8 h 40 min
